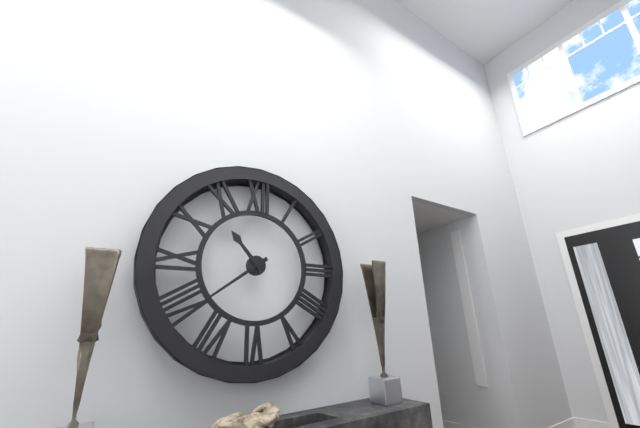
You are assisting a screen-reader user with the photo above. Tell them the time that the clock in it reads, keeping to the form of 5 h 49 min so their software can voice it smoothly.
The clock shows 10 h 39 min
